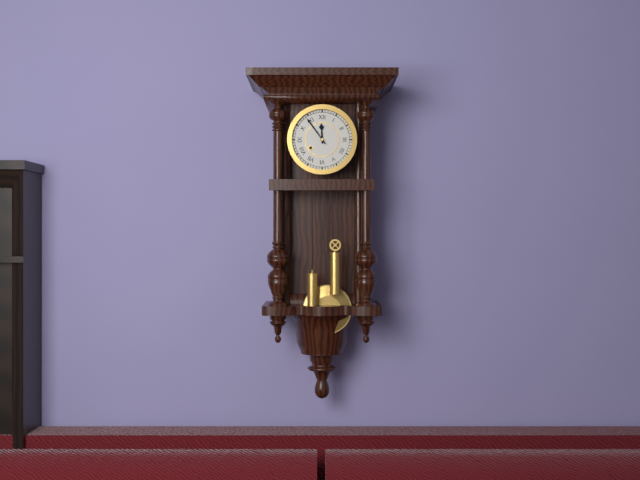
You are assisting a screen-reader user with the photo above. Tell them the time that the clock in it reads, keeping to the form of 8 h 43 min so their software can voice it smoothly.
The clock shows 11 h 54 min
